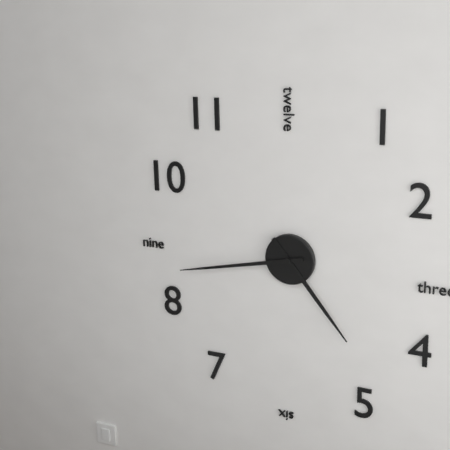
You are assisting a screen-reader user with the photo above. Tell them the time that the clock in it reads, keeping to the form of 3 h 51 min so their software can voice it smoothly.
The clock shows 4 h 43 min
